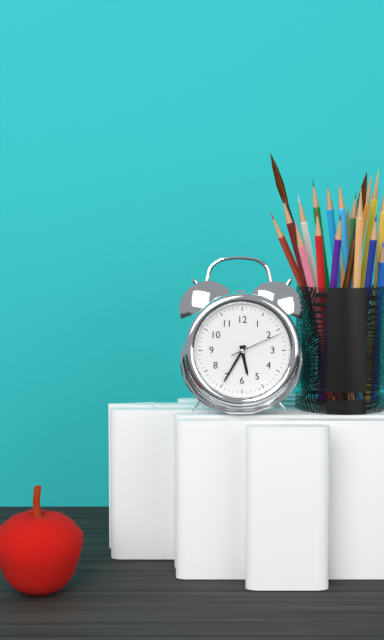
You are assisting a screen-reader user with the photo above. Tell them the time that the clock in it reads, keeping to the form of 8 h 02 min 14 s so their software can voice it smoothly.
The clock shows 5 h 35 min 11 s
